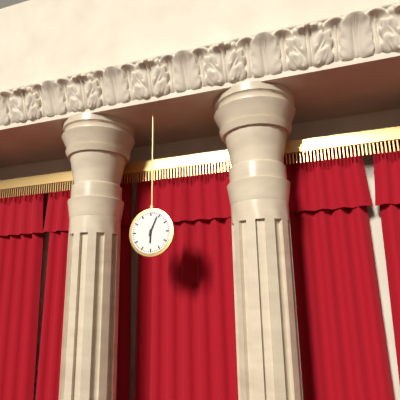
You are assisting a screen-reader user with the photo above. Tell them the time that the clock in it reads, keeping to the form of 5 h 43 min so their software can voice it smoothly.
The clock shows 6 h 04 min
